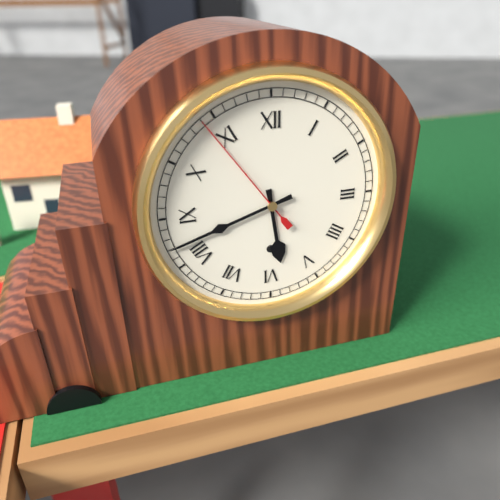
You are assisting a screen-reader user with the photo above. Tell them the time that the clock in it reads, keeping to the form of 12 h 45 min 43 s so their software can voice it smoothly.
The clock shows 5 h 42 min 54 s
